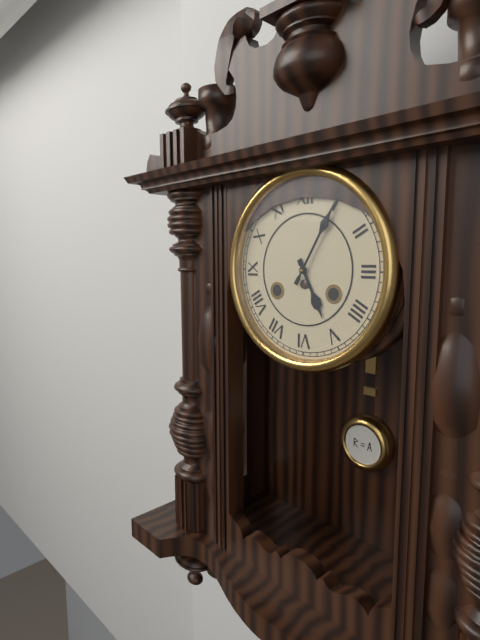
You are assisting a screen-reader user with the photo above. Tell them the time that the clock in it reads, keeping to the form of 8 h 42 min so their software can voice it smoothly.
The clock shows 5 h 05 min
